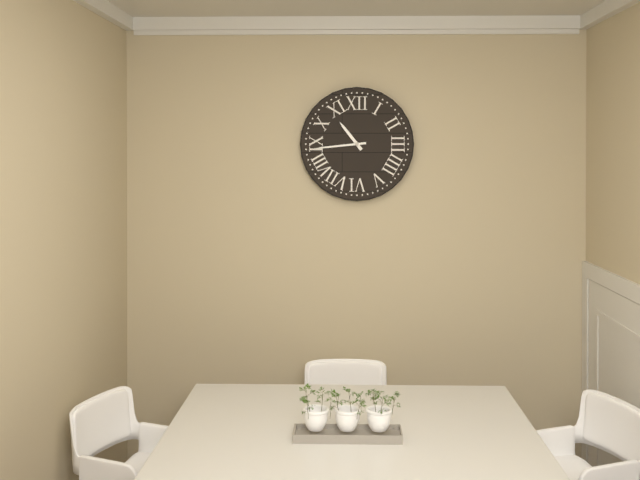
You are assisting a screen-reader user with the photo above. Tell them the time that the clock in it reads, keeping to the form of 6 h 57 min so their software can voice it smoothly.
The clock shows 10 h 44 min
